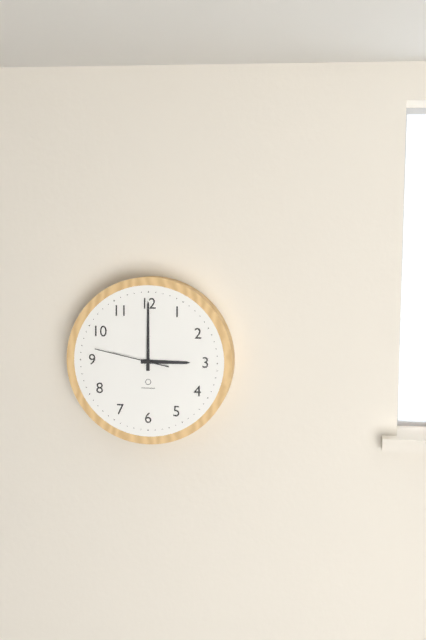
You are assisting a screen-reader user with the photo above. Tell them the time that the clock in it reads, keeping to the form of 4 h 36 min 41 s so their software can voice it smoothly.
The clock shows 3 h 00 min 47 s
